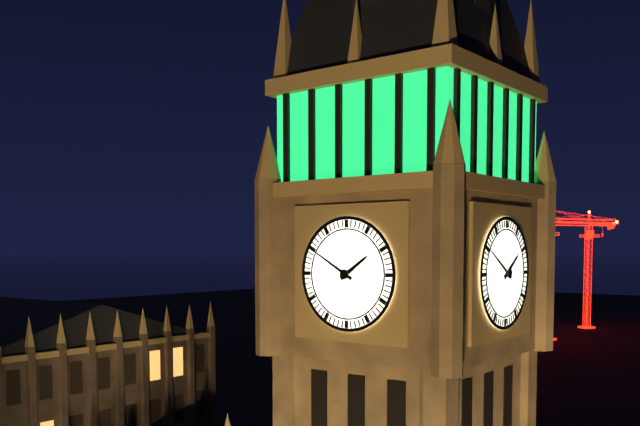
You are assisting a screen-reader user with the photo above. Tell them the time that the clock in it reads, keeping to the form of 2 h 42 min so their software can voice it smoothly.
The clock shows 1 h 50 min
